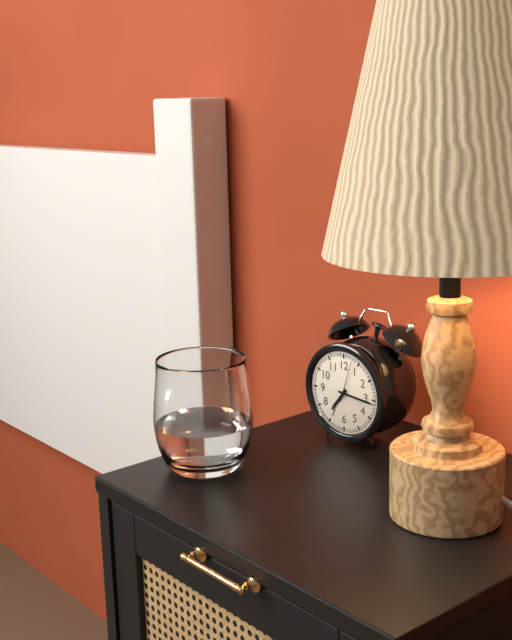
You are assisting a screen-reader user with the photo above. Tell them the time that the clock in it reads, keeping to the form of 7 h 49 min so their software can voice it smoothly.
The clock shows 7 h 16 min
